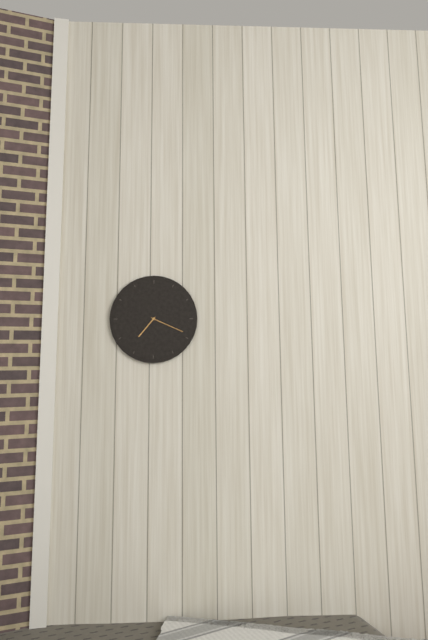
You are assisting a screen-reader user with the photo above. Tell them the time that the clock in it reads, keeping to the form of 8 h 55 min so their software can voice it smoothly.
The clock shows 7 h 19 min
